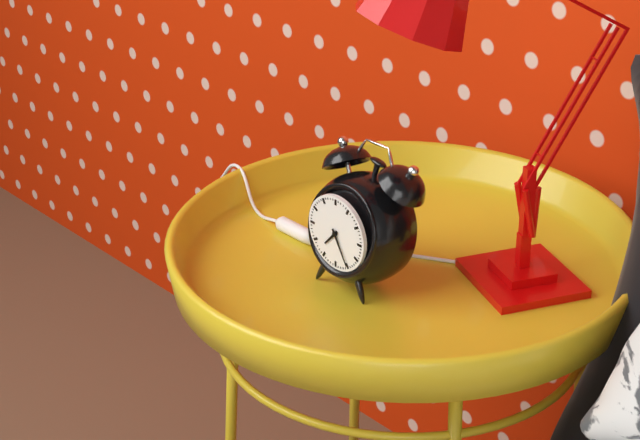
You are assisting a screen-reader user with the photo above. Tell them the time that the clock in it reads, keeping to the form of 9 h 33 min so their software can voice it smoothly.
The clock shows 7 h 25 min
